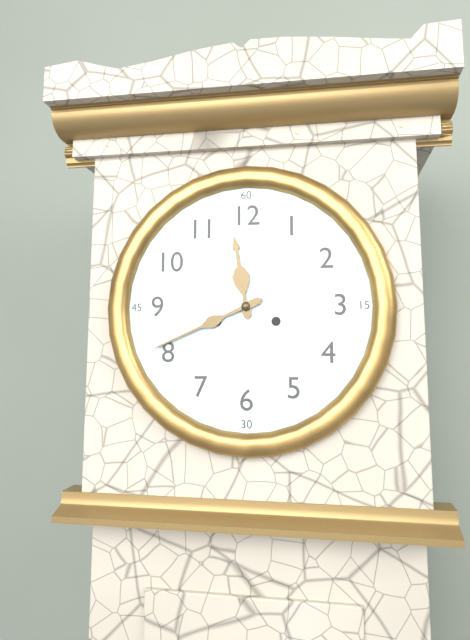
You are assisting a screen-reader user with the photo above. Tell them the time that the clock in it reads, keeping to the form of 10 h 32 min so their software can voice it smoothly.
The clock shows 11 h 41 min
